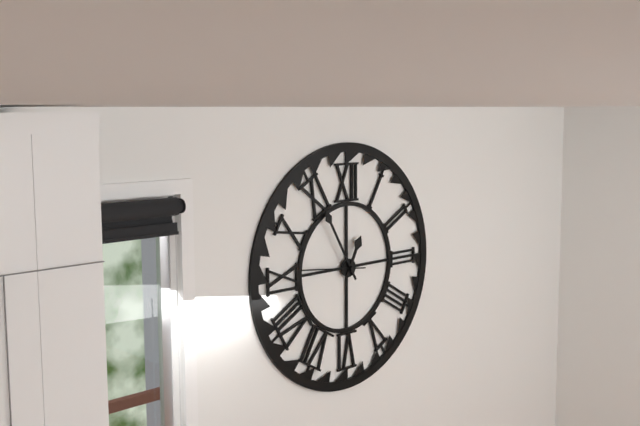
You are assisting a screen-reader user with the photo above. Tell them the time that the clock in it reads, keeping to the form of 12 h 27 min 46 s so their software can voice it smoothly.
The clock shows 12 h 55 min 46 s
